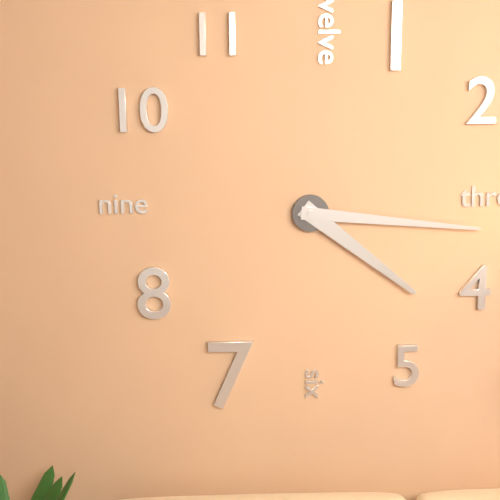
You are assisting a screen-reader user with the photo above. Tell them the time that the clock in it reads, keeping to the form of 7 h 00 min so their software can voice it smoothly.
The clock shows 4 h 16 min
